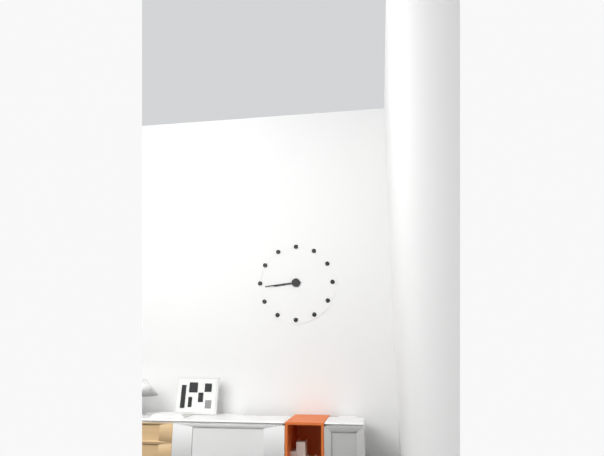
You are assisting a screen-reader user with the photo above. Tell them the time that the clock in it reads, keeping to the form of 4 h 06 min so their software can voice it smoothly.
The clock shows 8 h 44 min
